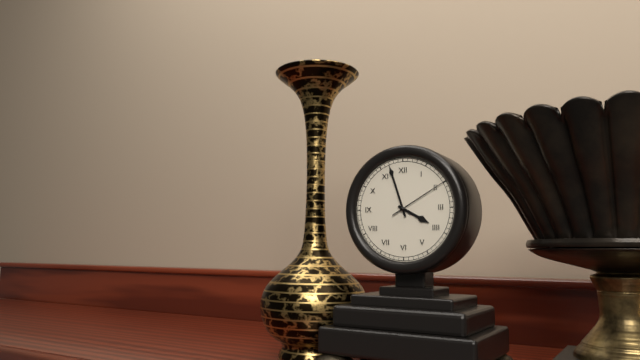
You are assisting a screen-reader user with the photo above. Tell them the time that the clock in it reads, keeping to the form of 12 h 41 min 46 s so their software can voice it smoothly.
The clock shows 3 h 57 min 10 s
